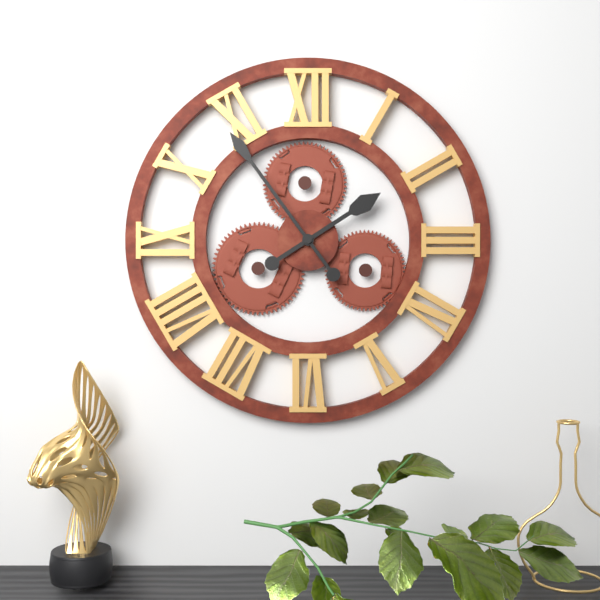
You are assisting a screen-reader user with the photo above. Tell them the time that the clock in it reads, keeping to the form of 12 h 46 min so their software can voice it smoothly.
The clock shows 1 h 54 min
